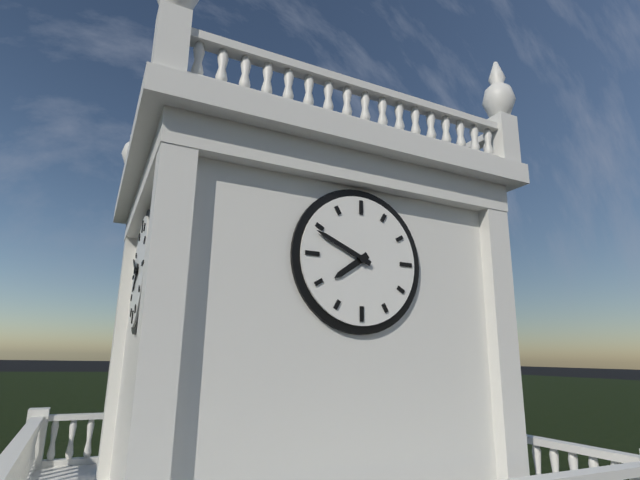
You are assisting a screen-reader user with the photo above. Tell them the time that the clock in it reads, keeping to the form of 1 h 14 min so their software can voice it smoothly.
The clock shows 7 h 49 min
